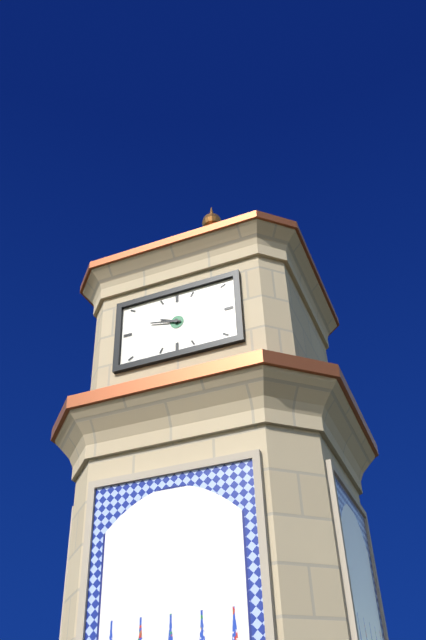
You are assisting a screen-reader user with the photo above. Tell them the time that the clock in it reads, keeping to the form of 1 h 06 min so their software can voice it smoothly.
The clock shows 9 h 47 min
